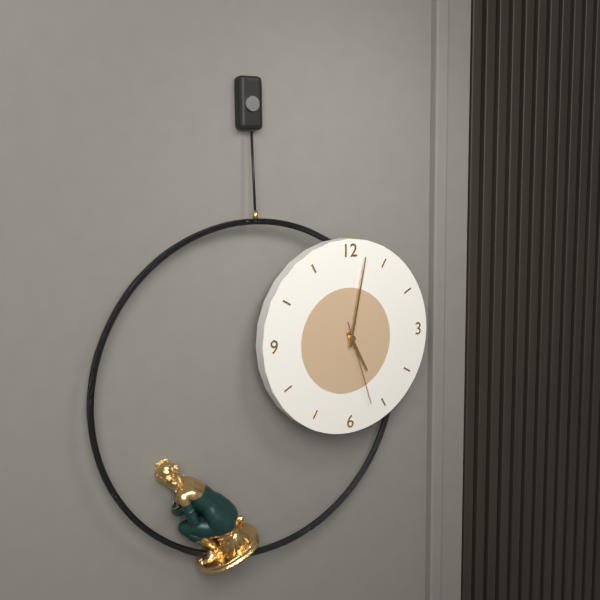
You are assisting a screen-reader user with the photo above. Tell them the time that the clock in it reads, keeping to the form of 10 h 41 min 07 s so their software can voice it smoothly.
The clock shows 5 h 02 min 27 s
